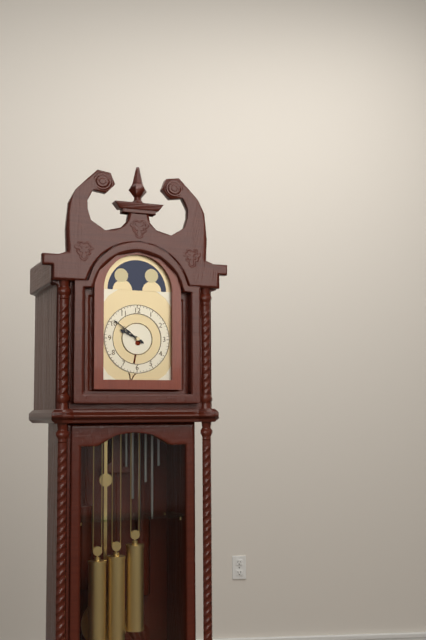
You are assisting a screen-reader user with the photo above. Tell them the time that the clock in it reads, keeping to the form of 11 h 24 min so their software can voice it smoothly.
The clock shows 9 h 51 min
